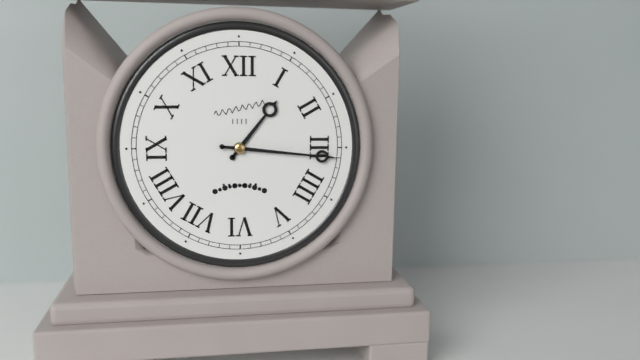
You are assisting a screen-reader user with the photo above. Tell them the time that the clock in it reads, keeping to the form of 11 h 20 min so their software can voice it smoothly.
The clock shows 1 h 16 min
